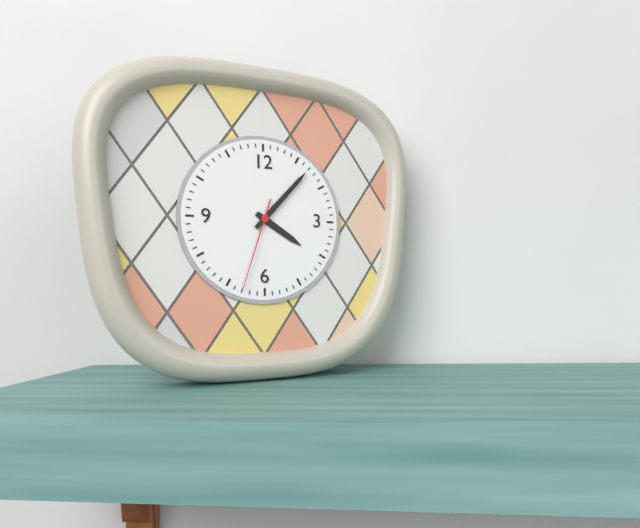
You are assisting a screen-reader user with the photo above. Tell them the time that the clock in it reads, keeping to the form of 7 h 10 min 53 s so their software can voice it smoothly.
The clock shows 4 h 07 min 33 s
